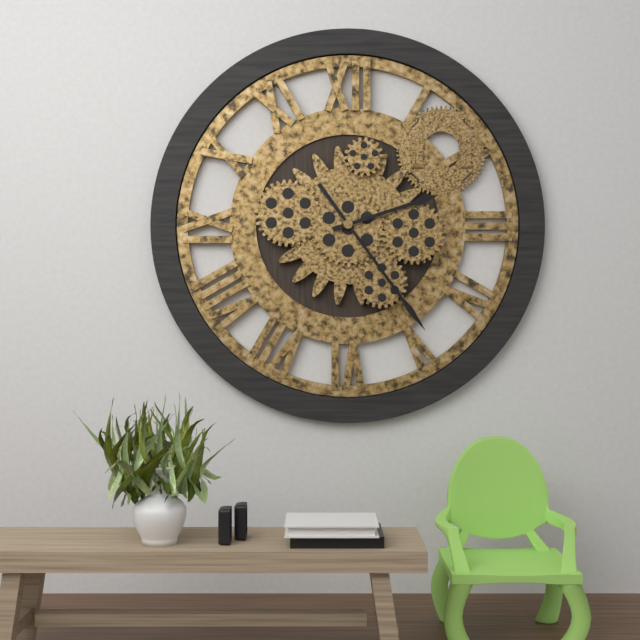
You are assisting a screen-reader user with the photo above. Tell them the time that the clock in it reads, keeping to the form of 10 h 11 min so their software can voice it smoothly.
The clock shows 2 h 24 min
